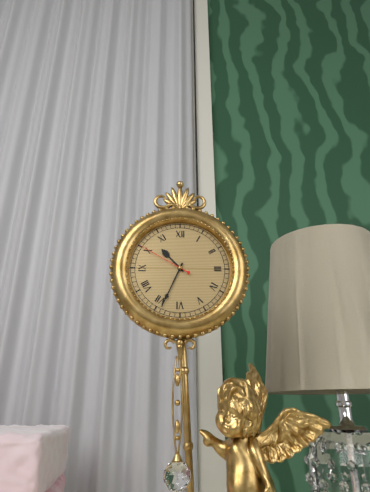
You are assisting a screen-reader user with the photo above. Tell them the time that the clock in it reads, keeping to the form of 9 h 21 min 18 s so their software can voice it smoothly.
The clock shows 10 h 34 min 50 s
